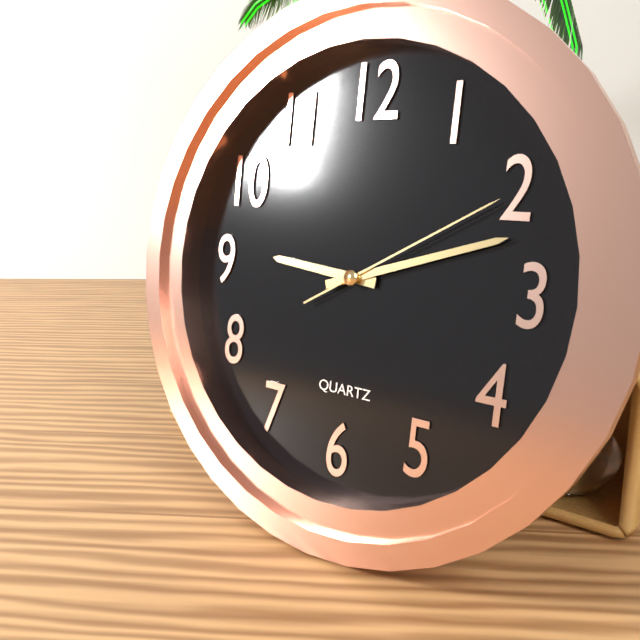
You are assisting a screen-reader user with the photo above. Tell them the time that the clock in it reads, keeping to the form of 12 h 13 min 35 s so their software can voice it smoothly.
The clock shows 9 h 12 min 10 s
